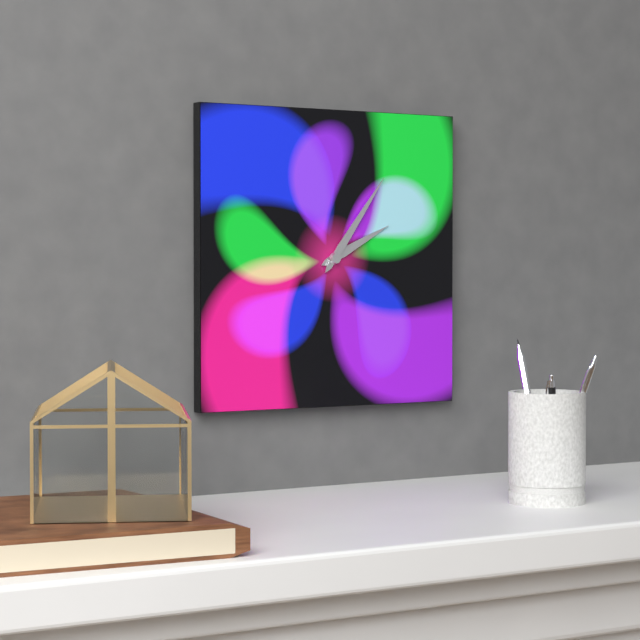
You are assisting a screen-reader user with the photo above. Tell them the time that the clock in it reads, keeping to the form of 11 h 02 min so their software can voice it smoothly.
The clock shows 2 h 06 min
